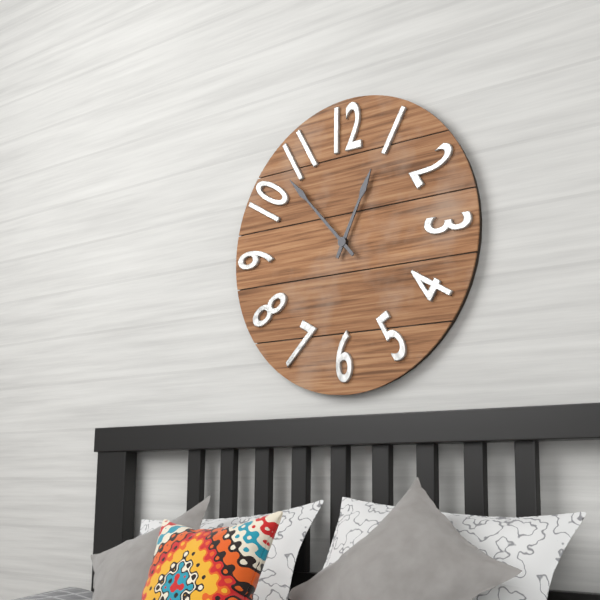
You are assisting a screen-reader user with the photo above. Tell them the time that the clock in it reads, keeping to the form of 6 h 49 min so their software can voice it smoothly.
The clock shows 12 h 53 min
